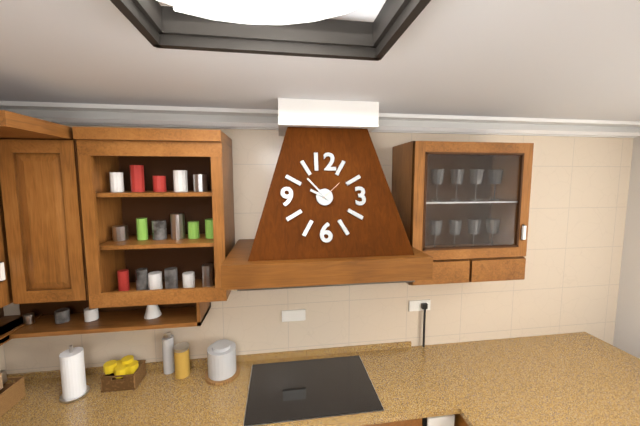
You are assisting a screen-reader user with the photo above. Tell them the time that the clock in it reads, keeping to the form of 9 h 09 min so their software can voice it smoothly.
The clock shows 9 h 53 min
